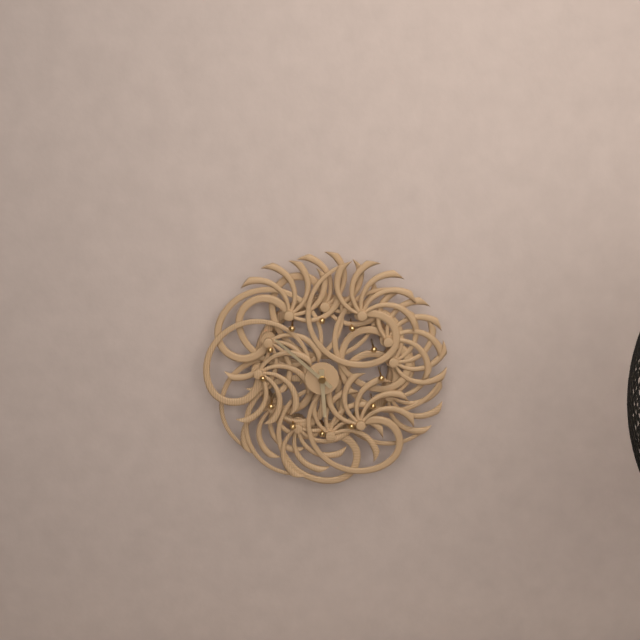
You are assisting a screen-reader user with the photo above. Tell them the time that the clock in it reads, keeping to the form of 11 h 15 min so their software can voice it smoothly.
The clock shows 5 h 52 min
